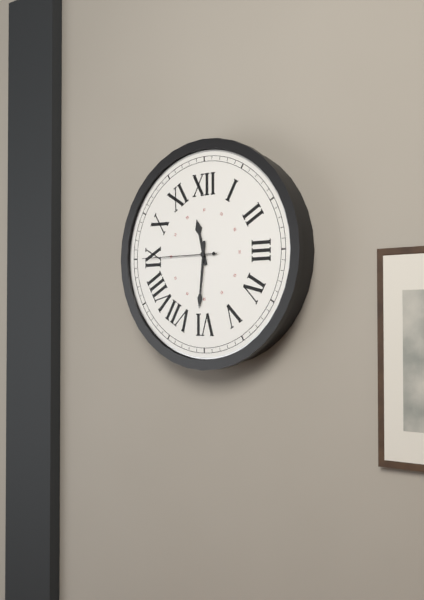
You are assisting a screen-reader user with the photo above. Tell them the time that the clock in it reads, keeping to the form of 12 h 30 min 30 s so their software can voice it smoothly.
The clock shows 11 h 31 min 45 s
